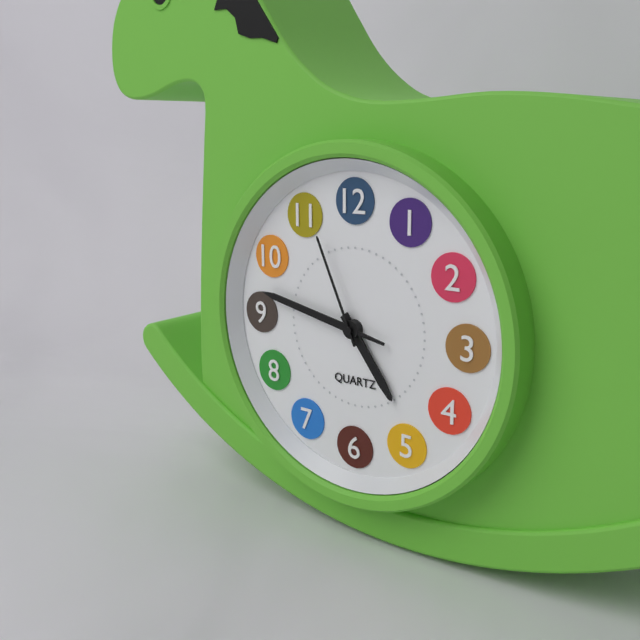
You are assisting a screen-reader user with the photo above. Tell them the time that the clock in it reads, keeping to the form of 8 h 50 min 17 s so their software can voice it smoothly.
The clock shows 4 h 47 min 56 s
